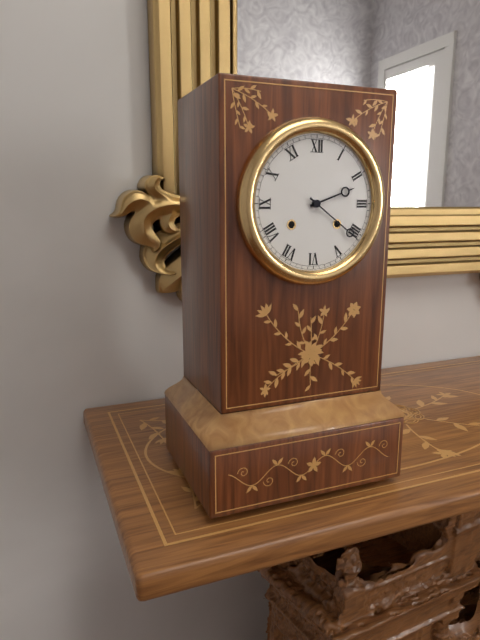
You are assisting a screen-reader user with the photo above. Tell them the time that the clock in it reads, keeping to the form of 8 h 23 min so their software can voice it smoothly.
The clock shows 2 h 21 min
